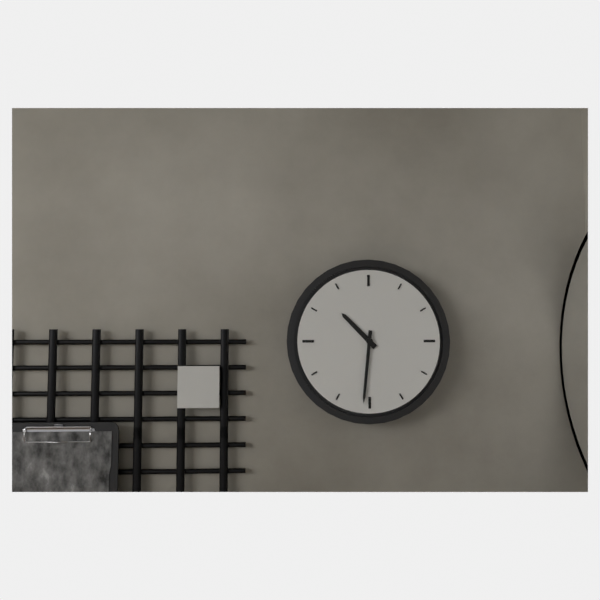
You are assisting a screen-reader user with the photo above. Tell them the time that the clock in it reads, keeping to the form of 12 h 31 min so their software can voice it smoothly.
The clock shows 10 h 31 min
